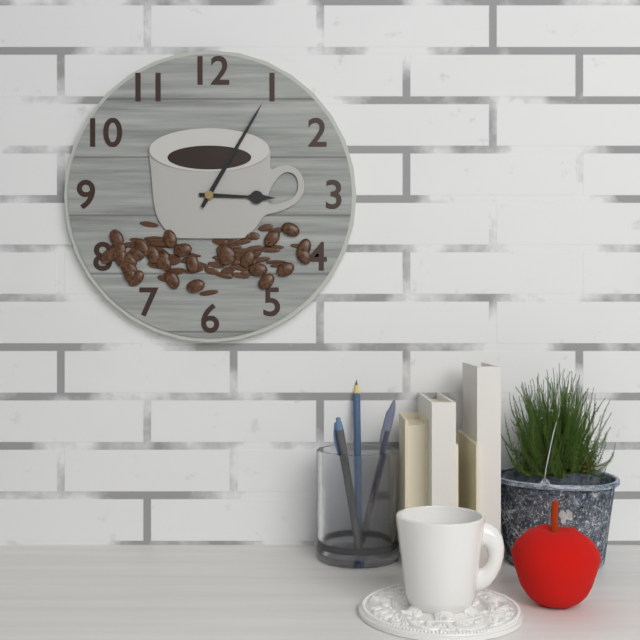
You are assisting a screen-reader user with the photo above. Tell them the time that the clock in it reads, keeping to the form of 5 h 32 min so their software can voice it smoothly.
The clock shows 3 h 05 min
